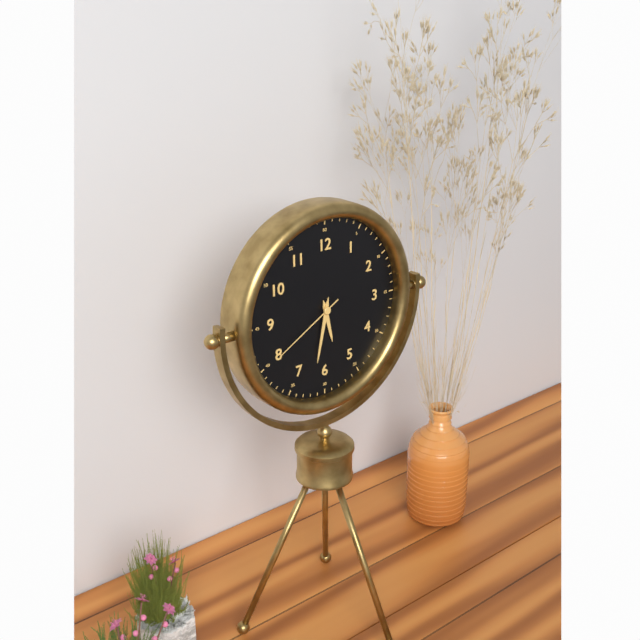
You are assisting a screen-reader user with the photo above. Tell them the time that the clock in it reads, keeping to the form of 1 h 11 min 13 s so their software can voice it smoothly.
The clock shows 5 h 32 min 40 s
